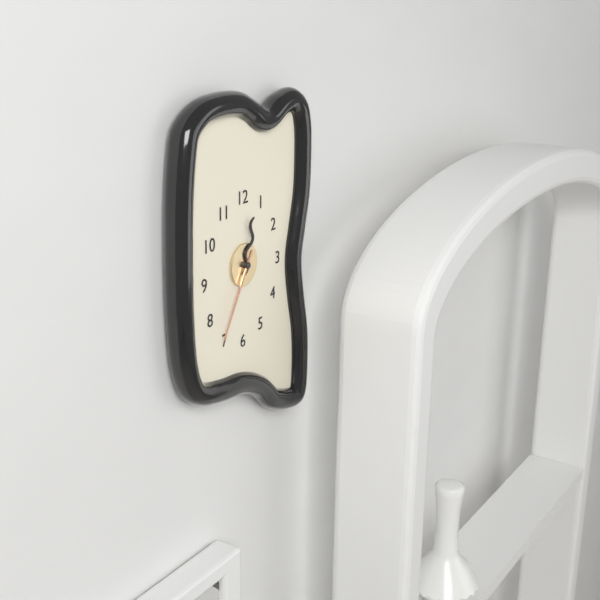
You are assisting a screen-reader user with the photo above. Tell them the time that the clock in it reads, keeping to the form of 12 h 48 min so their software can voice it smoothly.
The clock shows 12 h 35 min
